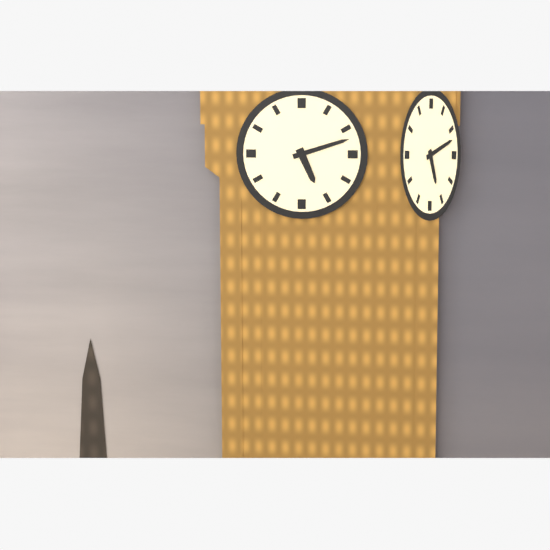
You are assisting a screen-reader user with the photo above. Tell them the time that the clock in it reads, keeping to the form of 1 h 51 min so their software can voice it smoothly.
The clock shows 5 h 12 min
